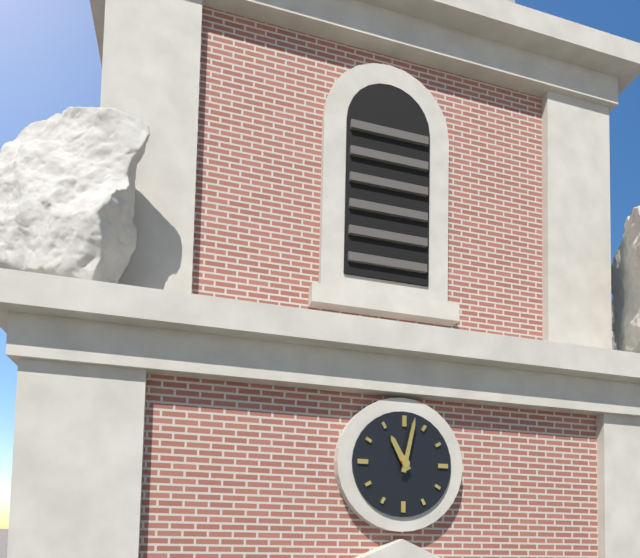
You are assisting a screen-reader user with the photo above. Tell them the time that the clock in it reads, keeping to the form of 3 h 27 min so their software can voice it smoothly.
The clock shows 11 h 02 min
